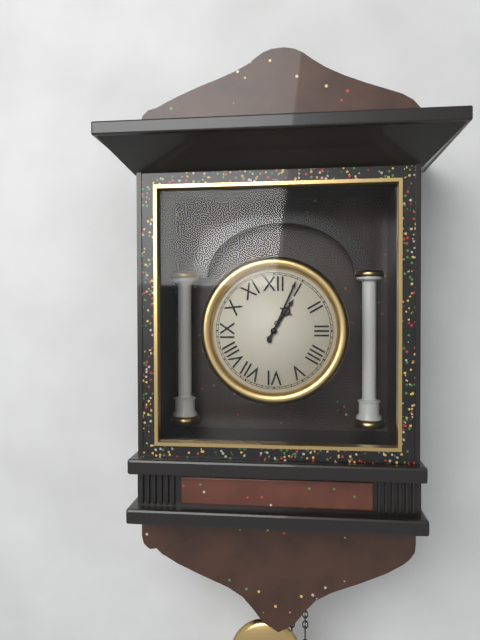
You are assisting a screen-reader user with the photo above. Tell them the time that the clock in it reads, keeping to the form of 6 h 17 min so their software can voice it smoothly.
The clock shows 1 h 04 min
